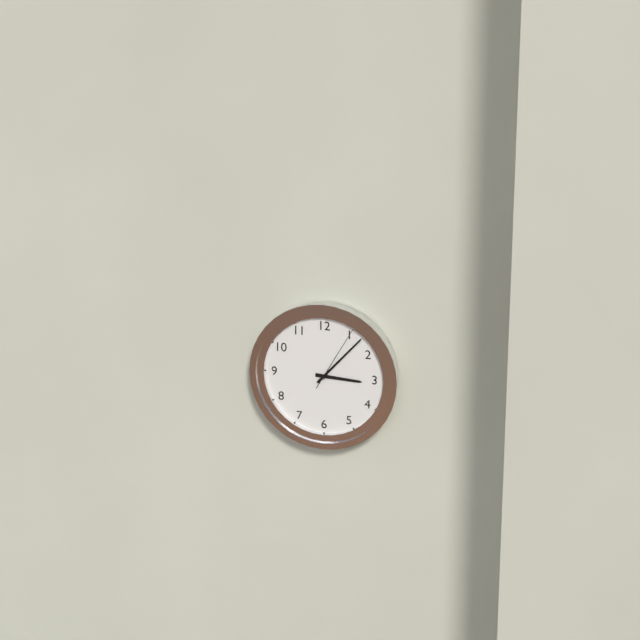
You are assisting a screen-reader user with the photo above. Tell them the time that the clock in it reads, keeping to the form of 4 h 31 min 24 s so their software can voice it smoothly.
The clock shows 3 h 07 min 05 s
